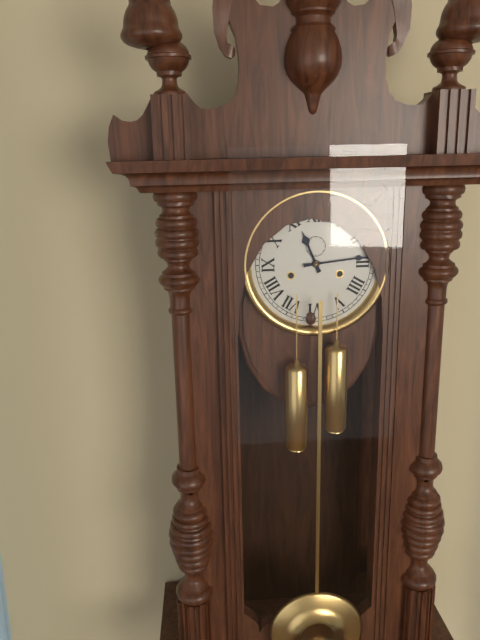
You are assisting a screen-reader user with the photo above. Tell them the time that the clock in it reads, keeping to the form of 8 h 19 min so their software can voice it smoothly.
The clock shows 11 h 14 min
